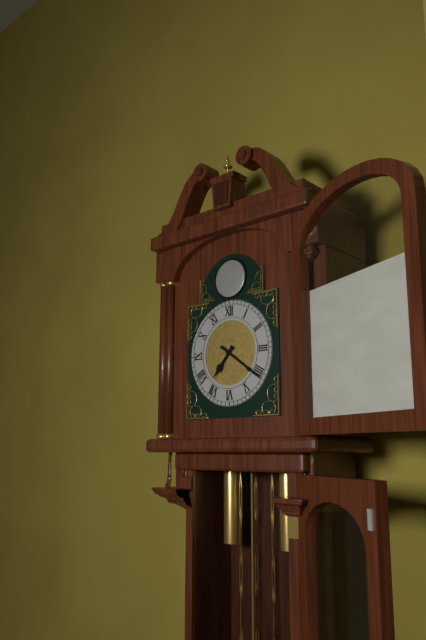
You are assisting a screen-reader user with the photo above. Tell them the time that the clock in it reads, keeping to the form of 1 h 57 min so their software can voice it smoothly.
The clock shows 7 h 21 min
